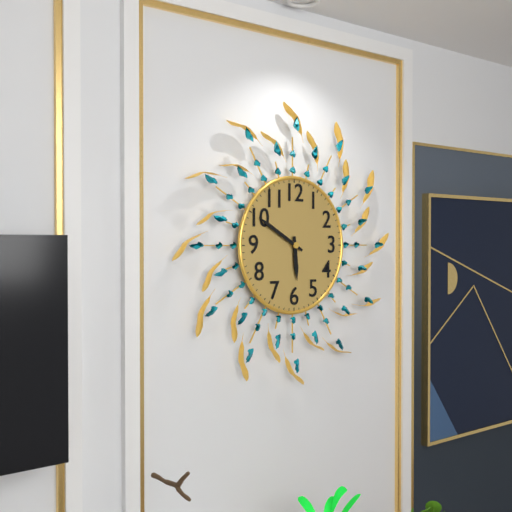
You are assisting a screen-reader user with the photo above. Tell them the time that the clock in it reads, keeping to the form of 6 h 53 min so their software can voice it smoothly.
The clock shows 5 h 50 min
